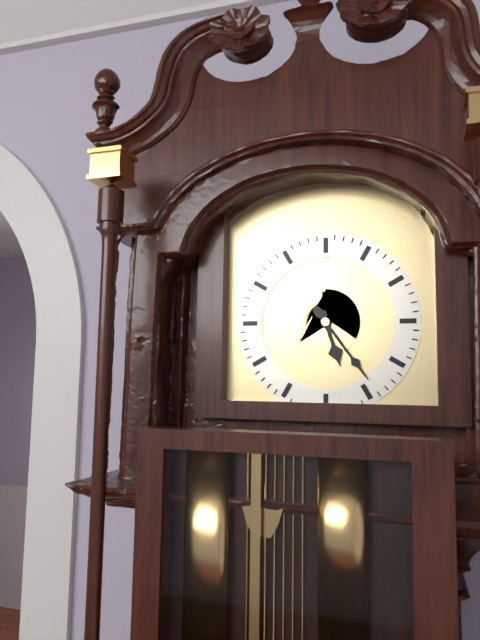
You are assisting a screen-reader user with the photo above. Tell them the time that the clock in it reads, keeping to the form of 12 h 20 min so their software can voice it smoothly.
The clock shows 5 h 24 min
